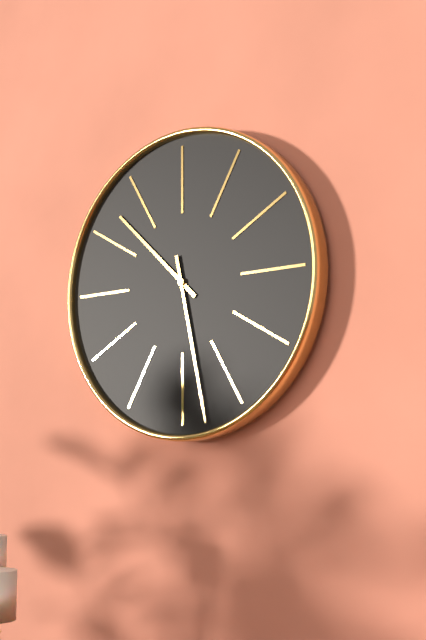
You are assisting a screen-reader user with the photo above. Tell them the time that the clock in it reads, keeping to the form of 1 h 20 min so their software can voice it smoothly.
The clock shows 10 h 28 min
